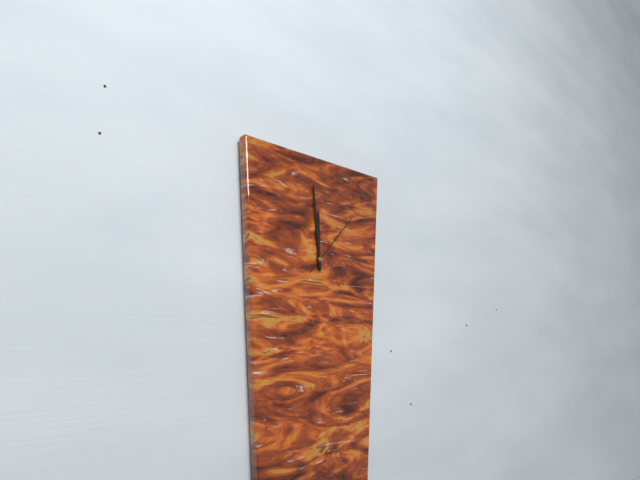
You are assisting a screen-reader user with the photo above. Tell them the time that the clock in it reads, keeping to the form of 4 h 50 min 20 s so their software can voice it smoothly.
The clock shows 11 h 59 min 07 s
